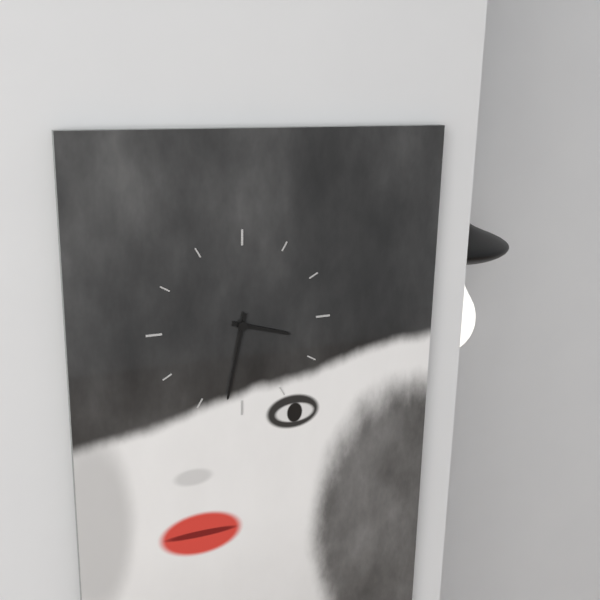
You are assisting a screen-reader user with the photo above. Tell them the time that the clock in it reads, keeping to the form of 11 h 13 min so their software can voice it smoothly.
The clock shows 3 h 32 min
